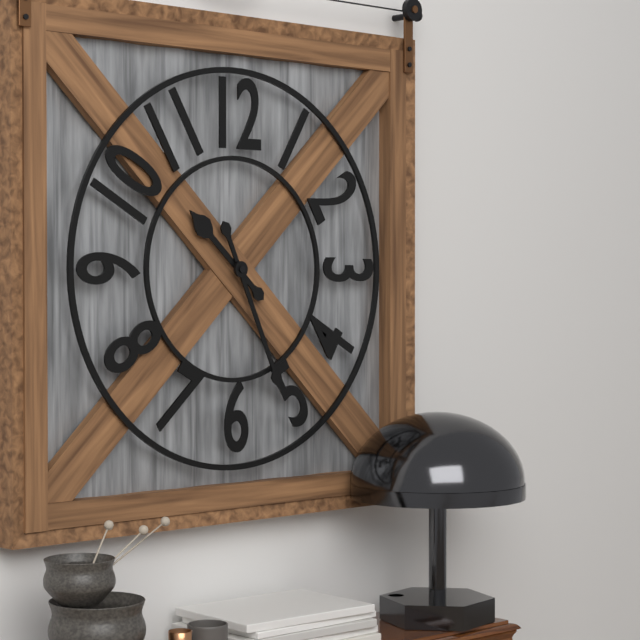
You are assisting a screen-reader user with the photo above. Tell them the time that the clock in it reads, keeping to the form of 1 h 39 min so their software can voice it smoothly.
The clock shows 10 h 26 min
